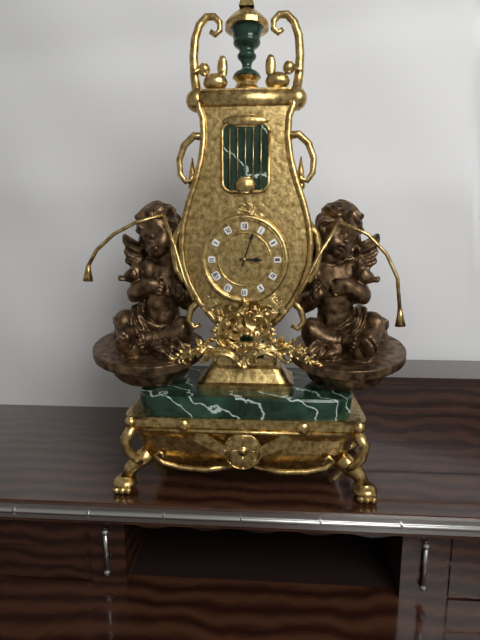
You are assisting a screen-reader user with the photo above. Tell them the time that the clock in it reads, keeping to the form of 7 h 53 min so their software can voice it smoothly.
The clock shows 3 h 03 min
